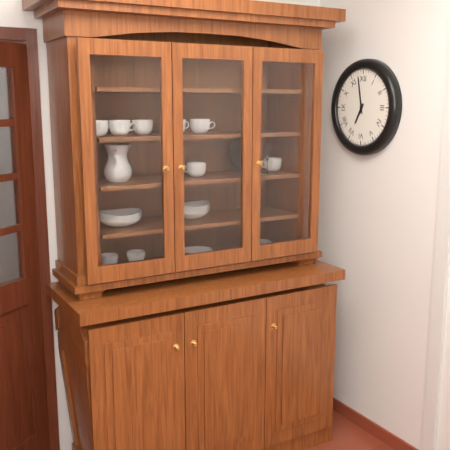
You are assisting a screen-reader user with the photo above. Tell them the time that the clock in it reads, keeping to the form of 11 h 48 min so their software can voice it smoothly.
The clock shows 6 h 58 min
